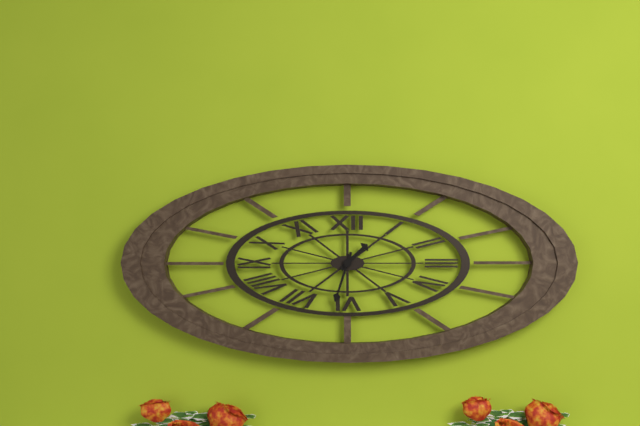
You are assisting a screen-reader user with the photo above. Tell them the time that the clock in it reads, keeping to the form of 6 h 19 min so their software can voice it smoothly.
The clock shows 1 h 33 min
